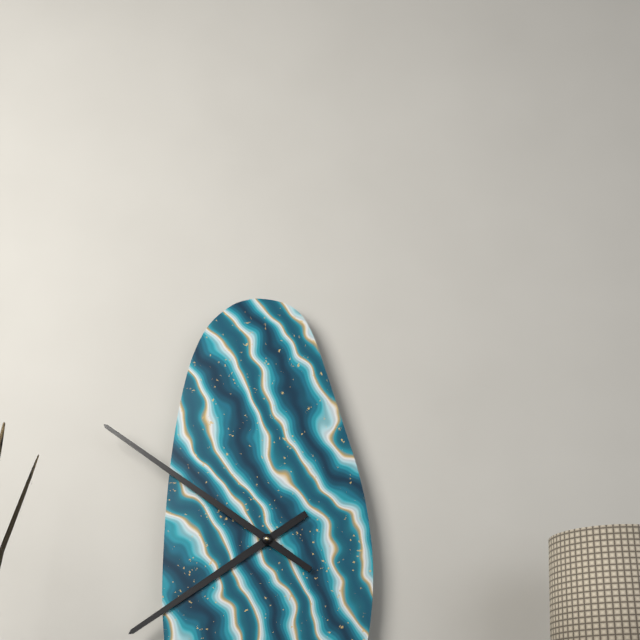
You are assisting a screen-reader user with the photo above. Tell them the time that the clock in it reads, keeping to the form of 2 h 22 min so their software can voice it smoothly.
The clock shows 7 h 51 min
